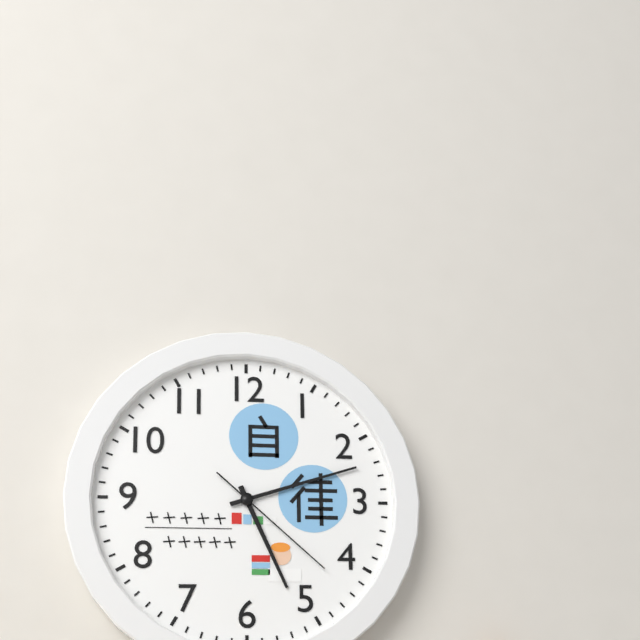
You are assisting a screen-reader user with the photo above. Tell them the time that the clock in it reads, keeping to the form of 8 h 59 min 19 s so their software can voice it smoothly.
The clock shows 5 h 12 min 22 s
